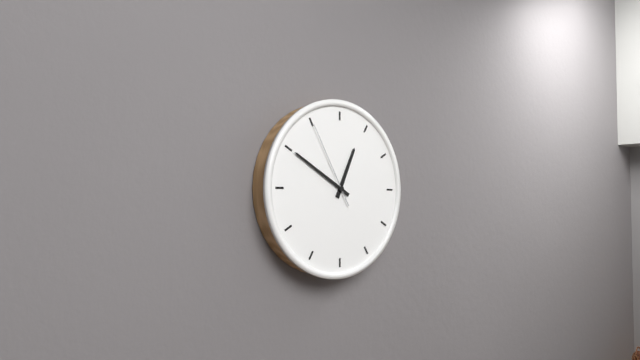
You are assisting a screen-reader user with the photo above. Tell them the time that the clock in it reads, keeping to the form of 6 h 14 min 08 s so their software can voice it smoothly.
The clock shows 12 h 50 min 55 s
